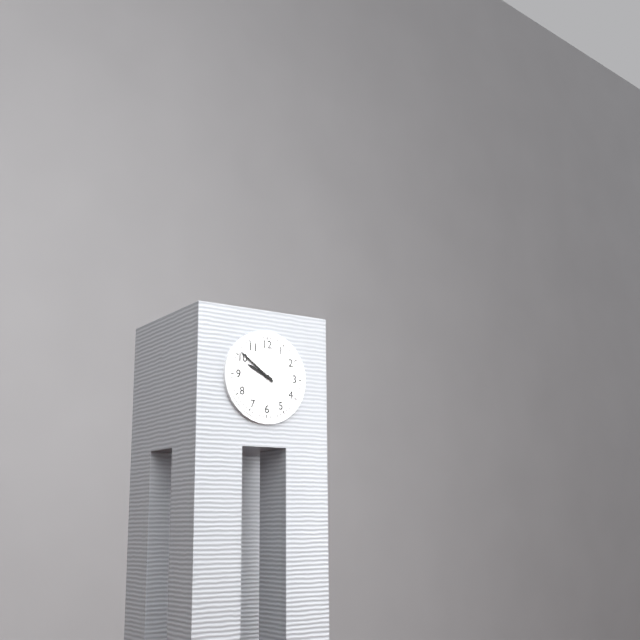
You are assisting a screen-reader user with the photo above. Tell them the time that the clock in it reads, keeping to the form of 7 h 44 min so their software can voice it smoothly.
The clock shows 9 h 51 min
